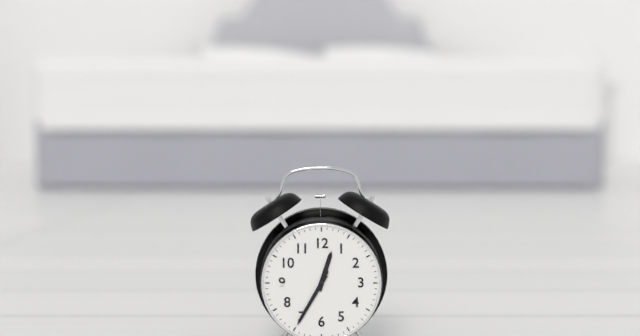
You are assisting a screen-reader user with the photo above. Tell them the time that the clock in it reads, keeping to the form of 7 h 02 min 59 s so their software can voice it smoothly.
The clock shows 12 h 35 min 35 s
